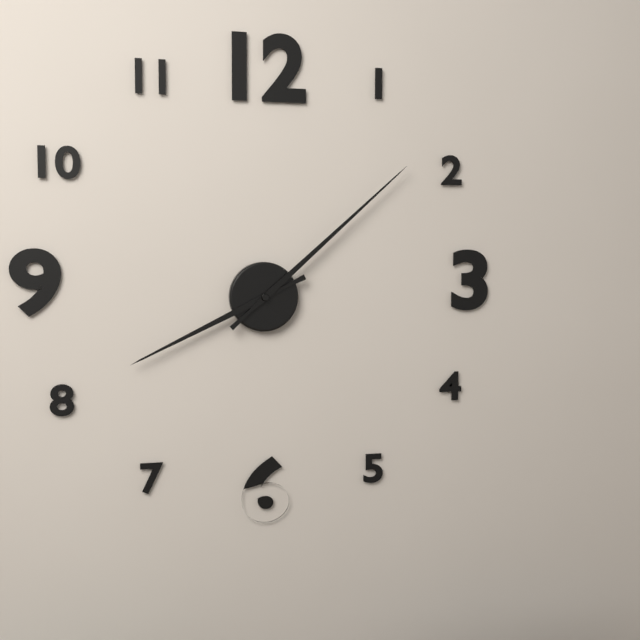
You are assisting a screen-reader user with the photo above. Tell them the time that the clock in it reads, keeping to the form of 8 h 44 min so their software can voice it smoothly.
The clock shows 8 h 08 min
